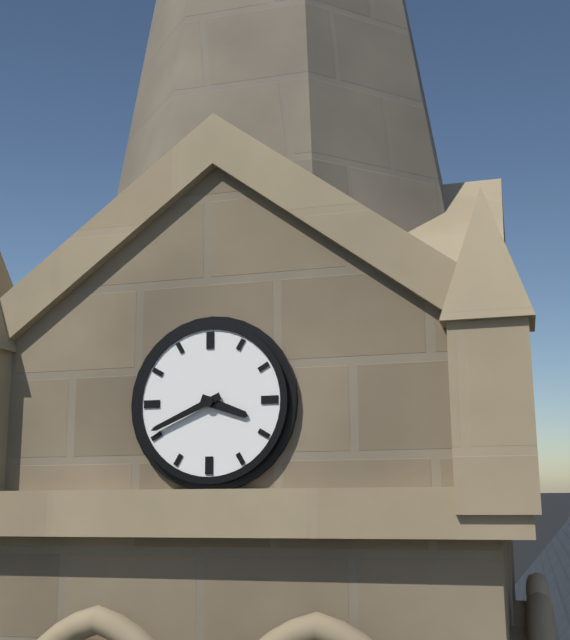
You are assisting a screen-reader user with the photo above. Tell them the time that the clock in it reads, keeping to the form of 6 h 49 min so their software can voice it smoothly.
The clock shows 3 h 41 min
